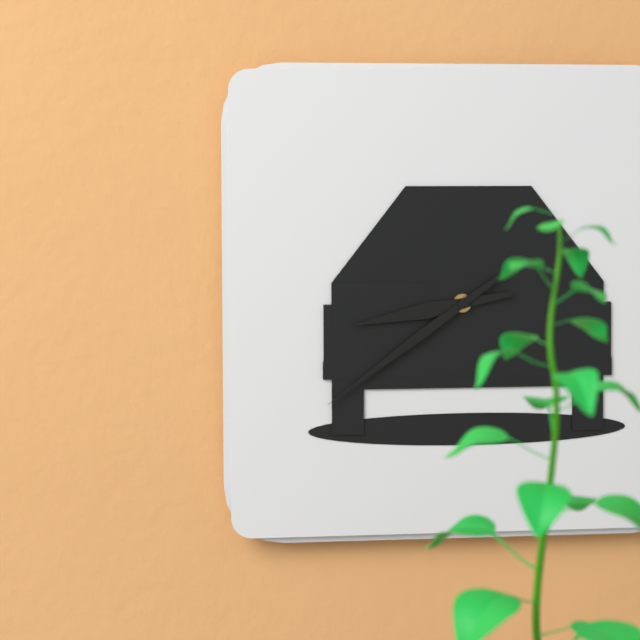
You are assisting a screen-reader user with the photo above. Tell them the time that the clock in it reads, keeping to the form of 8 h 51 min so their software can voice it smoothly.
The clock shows 8 h 39 min
